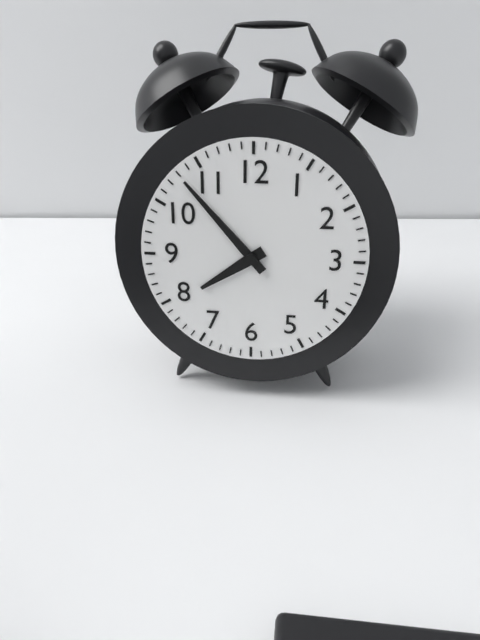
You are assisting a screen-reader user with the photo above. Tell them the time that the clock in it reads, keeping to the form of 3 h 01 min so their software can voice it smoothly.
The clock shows 7 h 53 min
